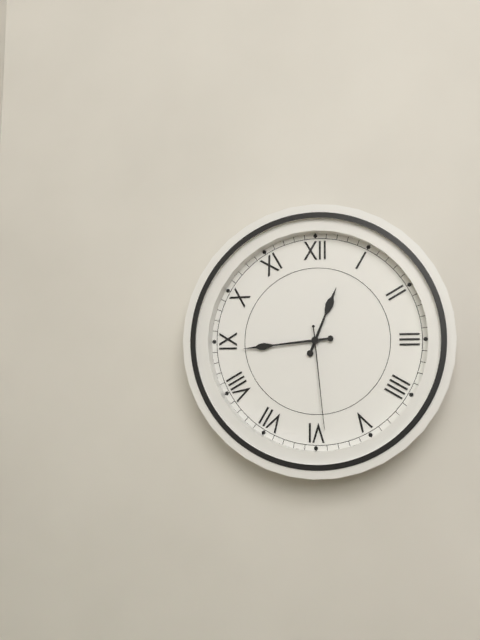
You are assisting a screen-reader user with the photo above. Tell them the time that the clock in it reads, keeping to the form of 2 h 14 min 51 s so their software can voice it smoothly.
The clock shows 12 h 44 min 29 s
